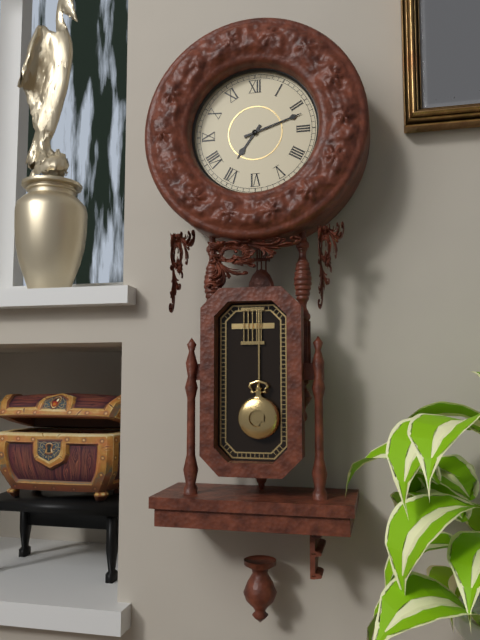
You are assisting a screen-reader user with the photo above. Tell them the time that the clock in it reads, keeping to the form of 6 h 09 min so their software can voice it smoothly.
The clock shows 7 h 12 min
